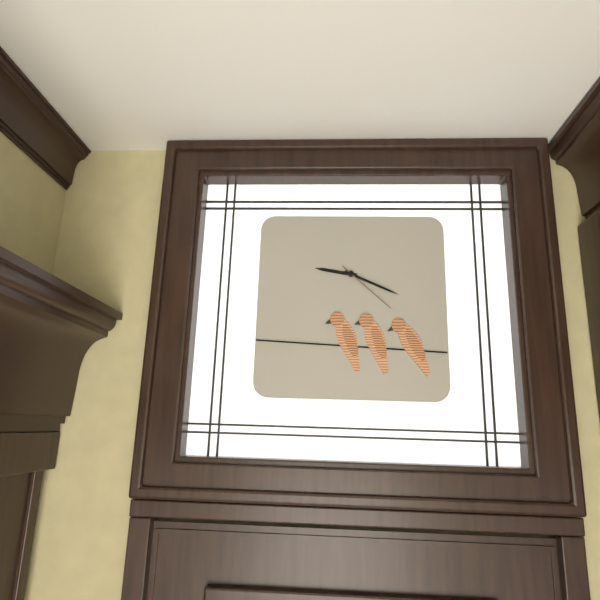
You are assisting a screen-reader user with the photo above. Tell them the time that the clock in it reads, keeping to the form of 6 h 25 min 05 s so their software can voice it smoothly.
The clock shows 9 h 19 min 22 s
